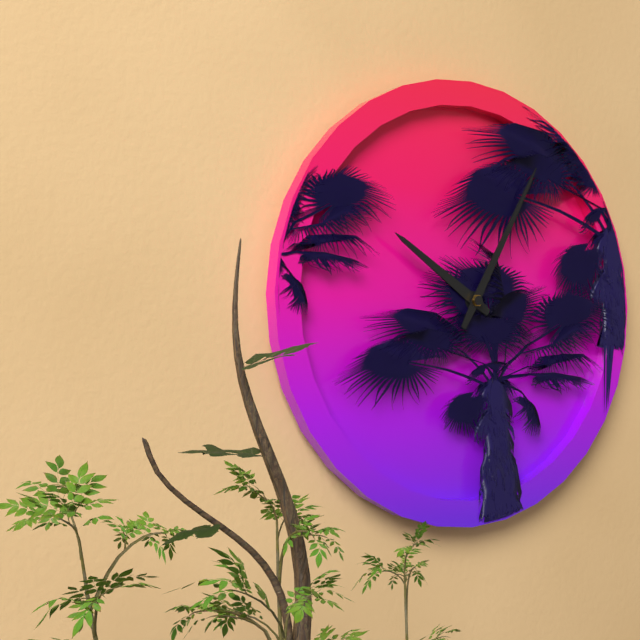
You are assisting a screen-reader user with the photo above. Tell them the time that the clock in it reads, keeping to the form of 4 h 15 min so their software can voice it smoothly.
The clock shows 10 h 05 min
